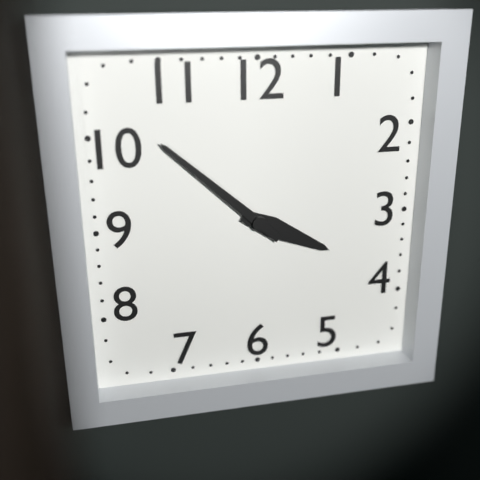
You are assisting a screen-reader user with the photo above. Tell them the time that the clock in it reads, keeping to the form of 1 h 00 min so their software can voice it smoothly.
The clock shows 3 h 52 min
